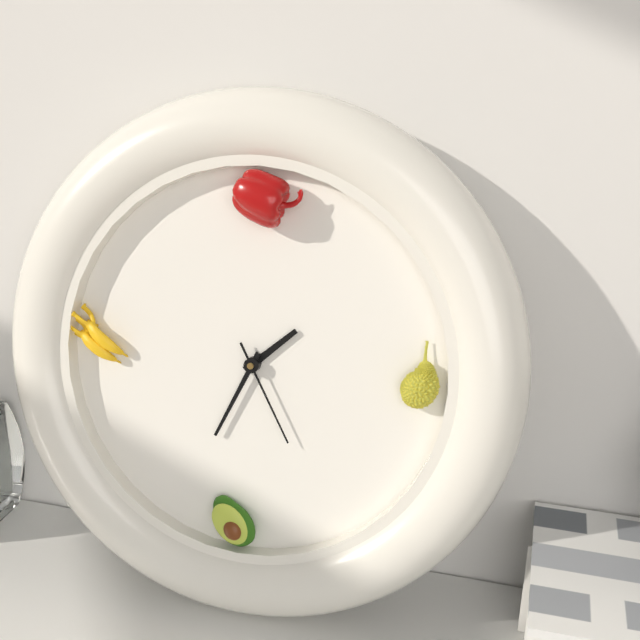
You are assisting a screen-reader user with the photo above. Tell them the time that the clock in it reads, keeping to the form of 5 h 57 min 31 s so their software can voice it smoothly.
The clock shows 1 h 34 min 25 s
